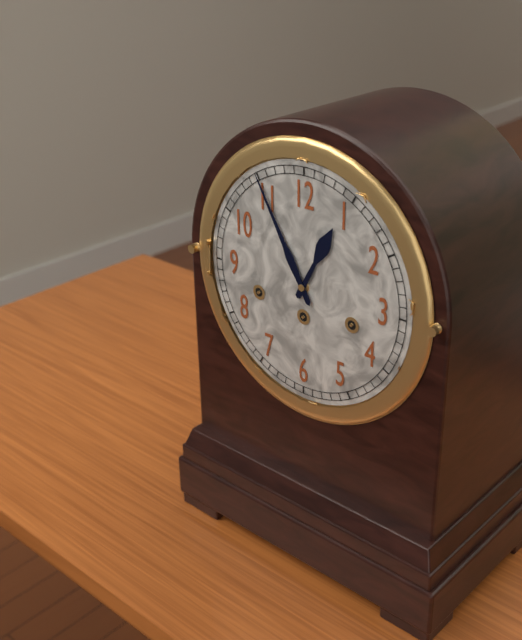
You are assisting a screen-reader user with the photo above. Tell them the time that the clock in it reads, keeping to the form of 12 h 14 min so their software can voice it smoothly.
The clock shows 12 h 55 min
